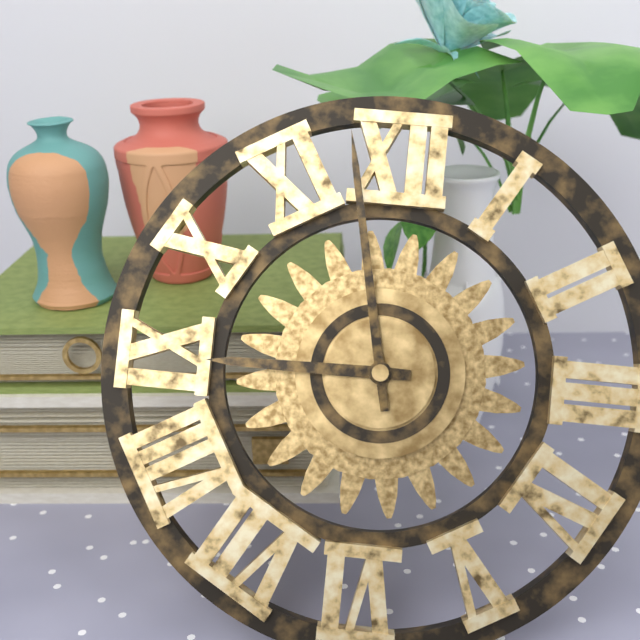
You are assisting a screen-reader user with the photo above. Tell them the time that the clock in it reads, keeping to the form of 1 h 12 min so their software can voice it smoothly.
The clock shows 8 h 58 min
